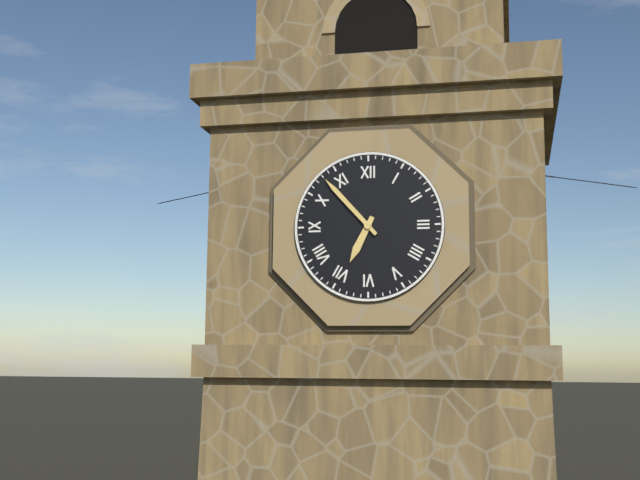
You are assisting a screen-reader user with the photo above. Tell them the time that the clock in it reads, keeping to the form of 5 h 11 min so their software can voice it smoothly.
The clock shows 6 h 53 min
